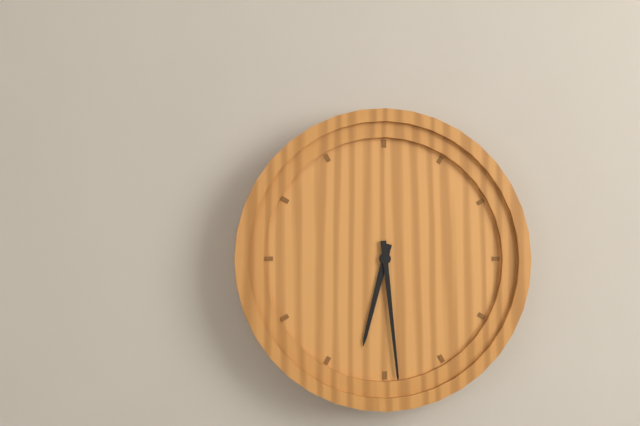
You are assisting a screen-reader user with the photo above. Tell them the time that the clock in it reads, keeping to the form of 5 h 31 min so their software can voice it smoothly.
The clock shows 6 h 29 min
